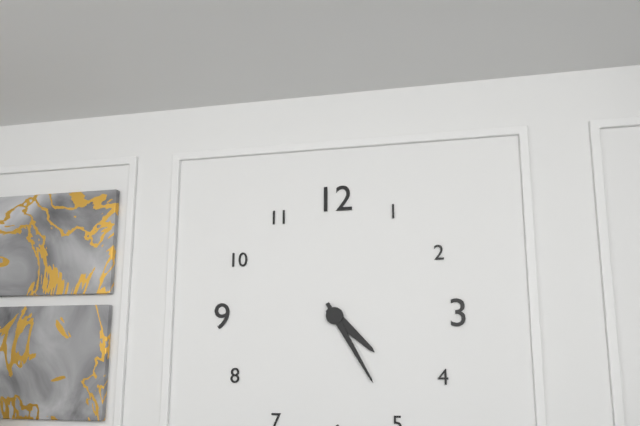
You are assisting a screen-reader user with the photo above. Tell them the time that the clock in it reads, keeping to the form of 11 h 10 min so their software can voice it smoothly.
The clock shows 4 h 25 min
